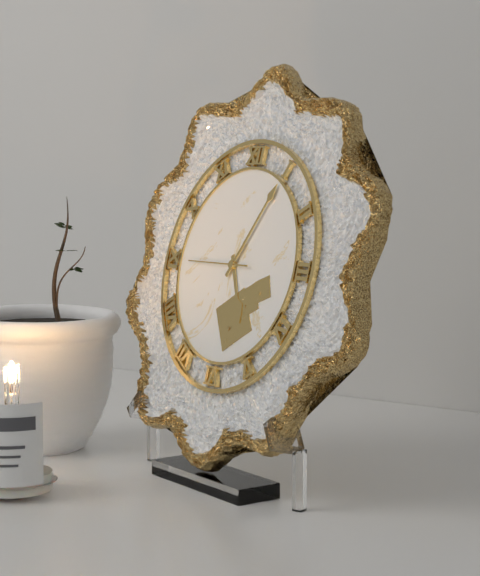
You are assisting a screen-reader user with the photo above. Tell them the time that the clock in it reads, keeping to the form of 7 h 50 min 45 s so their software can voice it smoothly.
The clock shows 5 h 05 min 45 s
